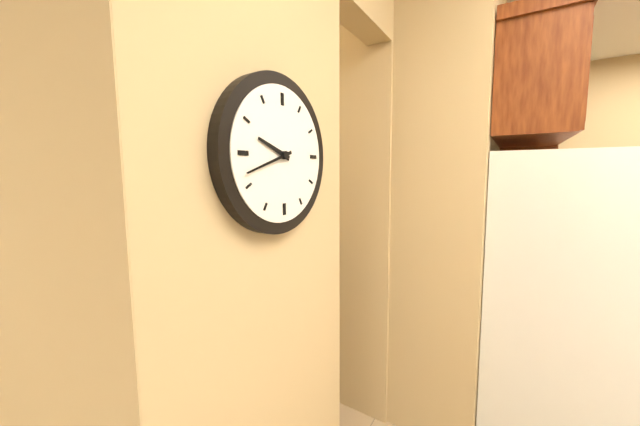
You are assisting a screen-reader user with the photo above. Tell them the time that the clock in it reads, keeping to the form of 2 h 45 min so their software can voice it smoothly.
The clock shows 9 h 42 min
